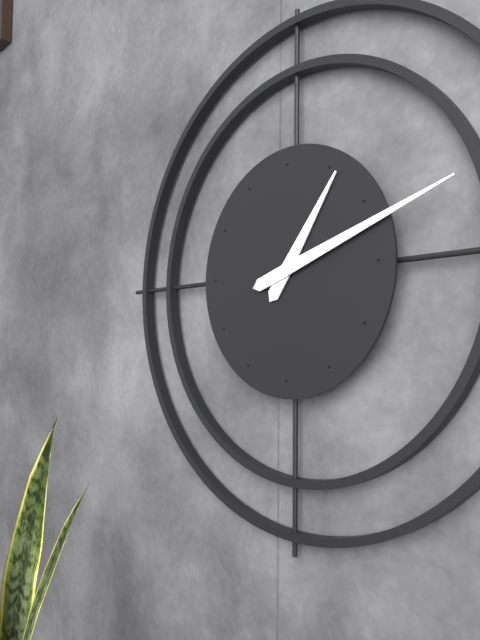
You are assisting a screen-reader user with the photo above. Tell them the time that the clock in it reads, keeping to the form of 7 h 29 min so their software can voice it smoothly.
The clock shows 1 h 12 min
